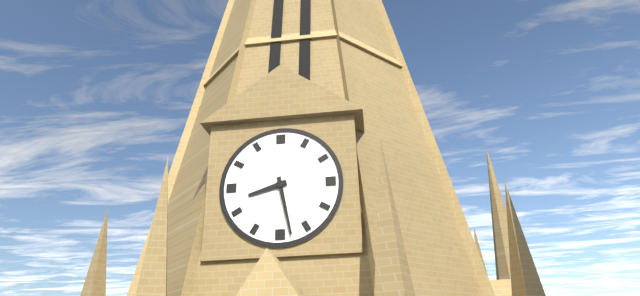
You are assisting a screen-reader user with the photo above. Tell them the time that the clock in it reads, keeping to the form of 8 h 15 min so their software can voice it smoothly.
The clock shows 8 h 28 min
